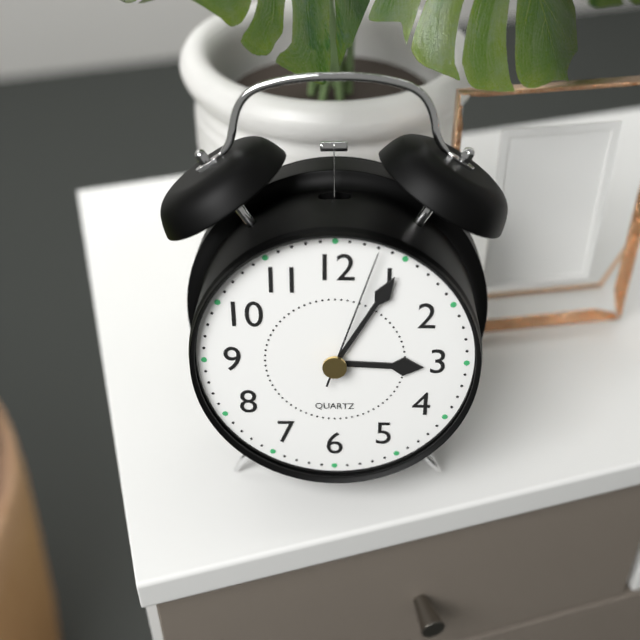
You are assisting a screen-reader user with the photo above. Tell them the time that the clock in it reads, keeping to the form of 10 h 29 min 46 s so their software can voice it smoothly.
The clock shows 3 h 05 min 03 s
